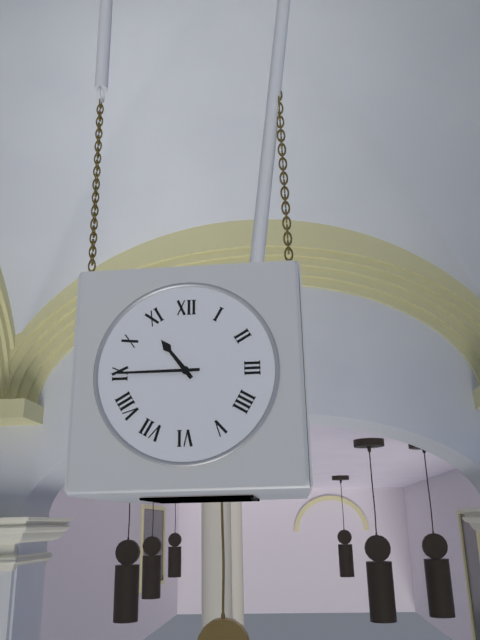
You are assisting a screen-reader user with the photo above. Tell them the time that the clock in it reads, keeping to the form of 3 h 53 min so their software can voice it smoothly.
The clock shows 10 h 45 min
